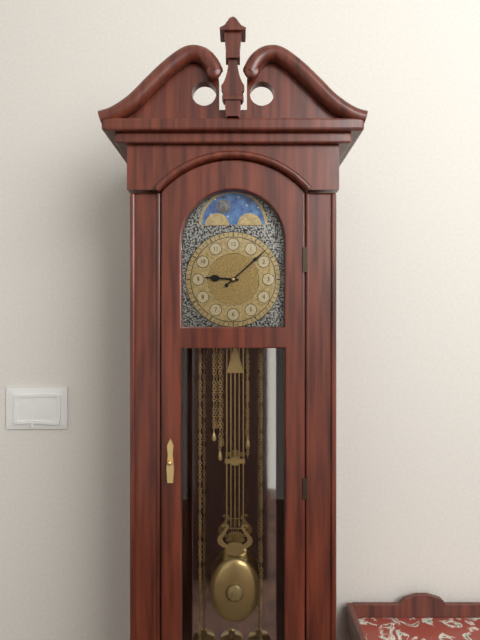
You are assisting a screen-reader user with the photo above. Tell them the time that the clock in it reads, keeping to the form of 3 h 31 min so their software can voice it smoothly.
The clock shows 9 h 08 min
